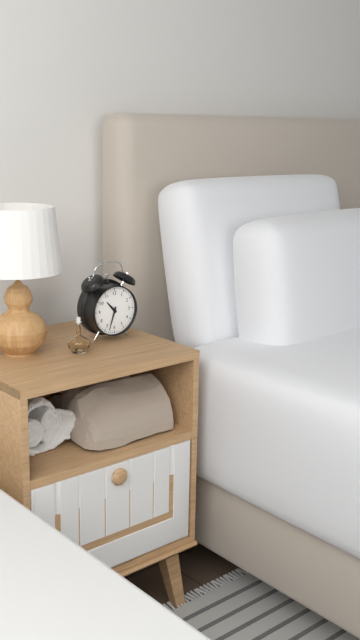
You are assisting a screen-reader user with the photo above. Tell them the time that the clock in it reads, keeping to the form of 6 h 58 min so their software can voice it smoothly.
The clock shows 10 h 33 min
